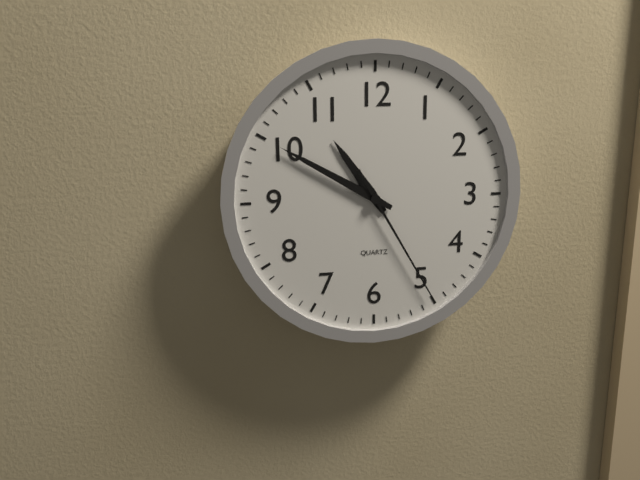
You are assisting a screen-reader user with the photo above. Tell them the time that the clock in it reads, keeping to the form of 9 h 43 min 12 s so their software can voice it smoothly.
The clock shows 10 h 50 min 25 s
